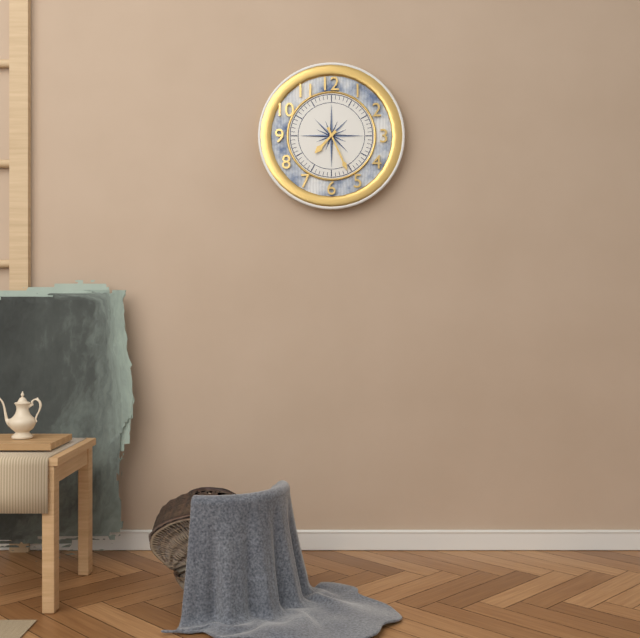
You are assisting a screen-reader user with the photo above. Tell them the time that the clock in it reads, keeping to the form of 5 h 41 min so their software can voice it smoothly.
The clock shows 7 h 26 min
